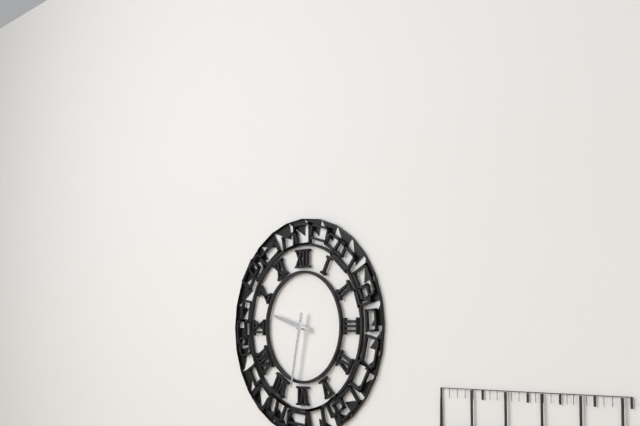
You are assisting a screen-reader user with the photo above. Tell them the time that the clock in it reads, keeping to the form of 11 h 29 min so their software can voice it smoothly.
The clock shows 9 h 32 min
